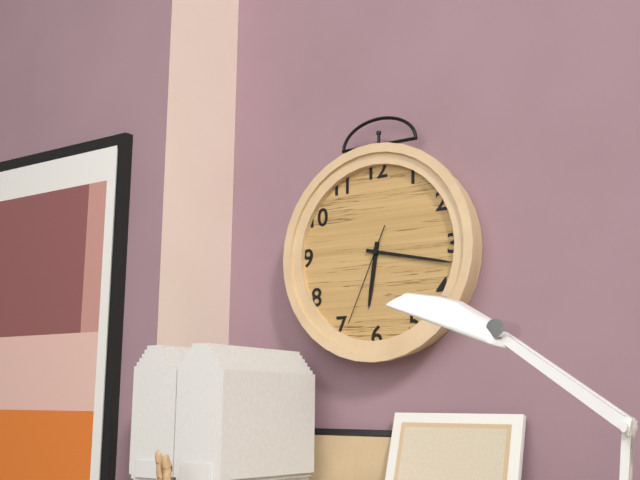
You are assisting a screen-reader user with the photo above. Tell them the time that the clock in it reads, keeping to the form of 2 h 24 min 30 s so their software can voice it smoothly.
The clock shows 6 h 17 min 34 s
